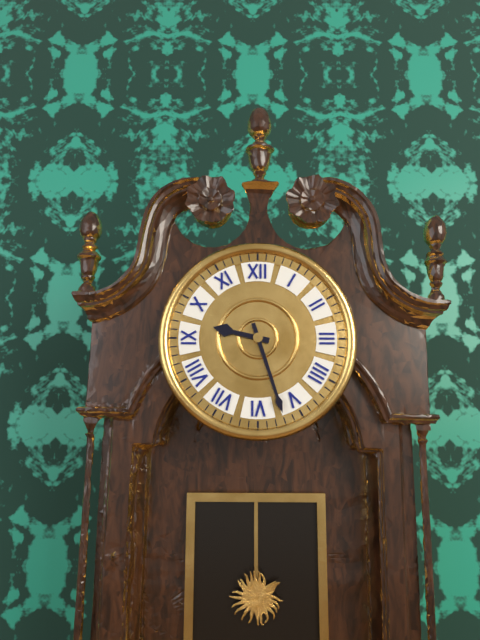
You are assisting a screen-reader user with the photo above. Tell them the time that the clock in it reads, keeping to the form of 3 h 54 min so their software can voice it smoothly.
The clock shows 9 h 27 min
